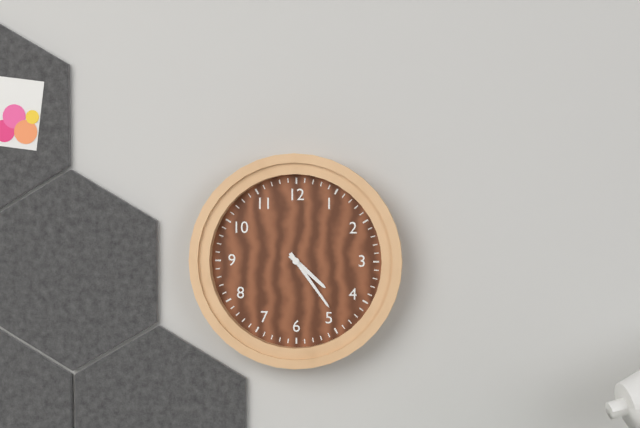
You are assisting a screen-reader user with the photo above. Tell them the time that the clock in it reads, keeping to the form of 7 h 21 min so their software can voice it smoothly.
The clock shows 4 h 24 min
